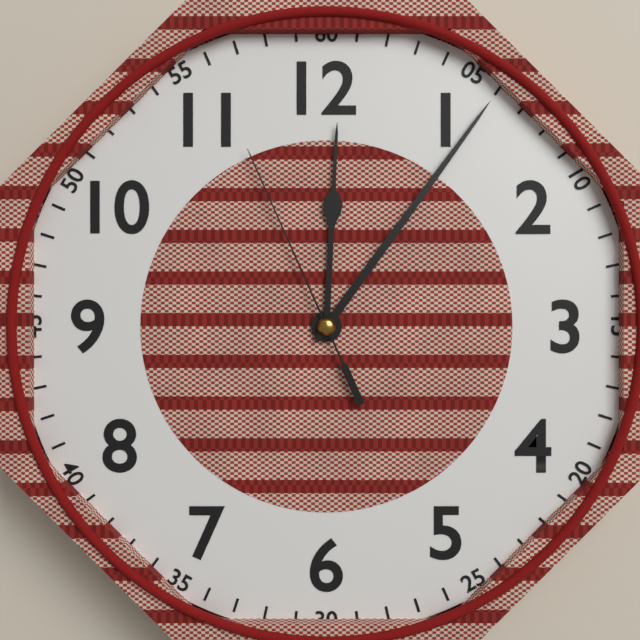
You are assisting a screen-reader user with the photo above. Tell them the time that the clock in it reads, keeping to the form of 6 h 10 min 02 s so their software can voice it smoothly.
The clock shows 12 h 06 min 56 s
